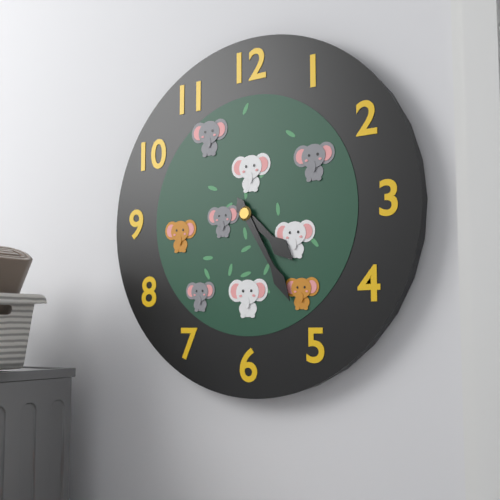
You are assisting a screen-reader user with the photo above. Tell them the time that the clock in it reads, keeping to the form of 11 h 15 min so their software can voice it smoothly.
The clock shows 4 h 25 min
